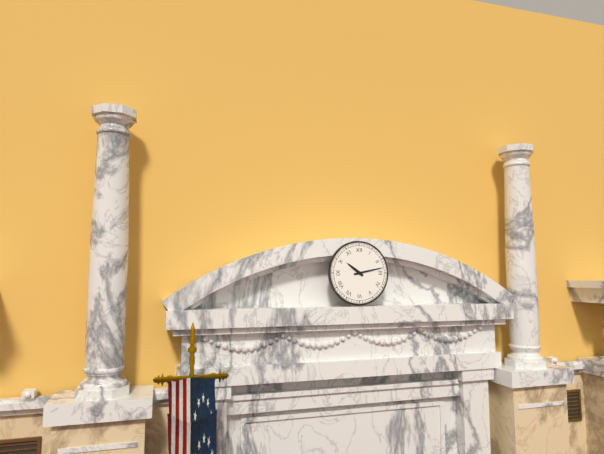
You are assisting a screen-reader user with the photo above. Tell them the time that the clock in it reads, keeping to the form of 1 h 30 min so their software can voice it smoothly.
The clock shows 10 h 13 min
